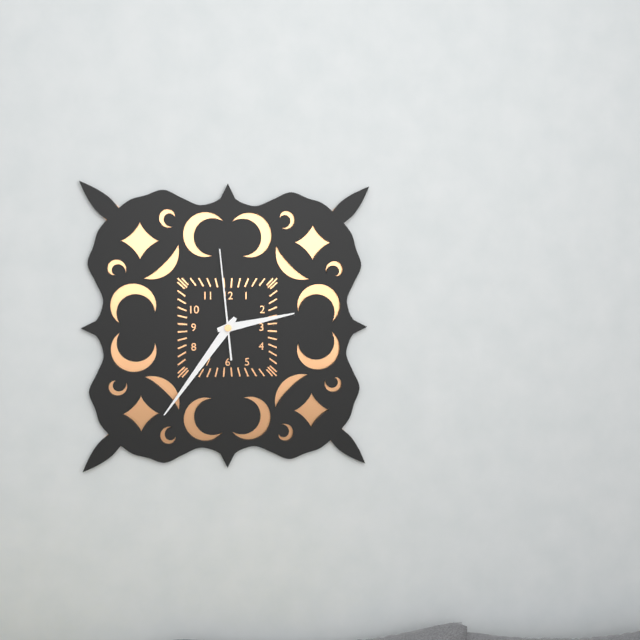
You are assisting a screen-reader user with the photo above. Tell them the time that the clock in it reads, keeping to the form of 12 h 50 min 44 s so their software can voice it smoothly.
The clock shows 2 h 36 min 59 s
